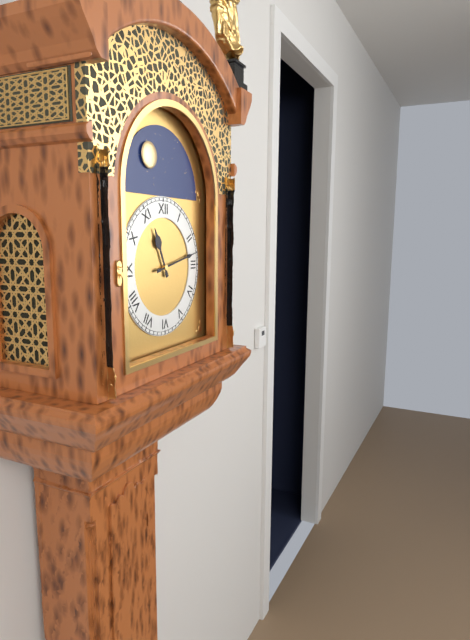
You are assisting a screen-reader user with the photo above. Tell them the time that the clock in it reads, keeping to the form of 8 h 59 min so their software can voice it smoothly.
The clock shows 11 h 13 min
